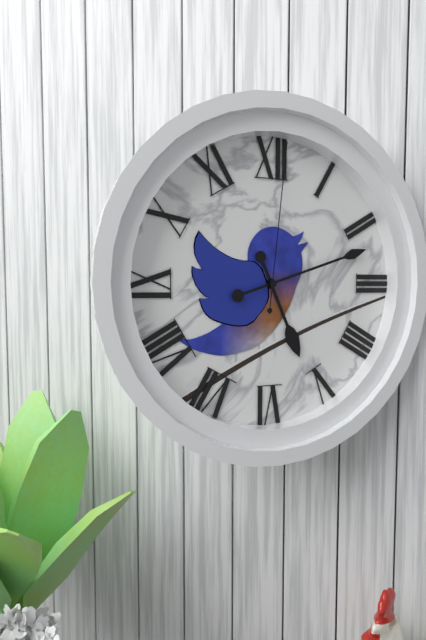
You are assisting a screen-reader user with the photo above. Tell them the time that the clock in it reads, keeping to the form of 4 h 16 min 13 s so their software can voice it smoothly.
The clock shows 5 h 12 min 01 s
